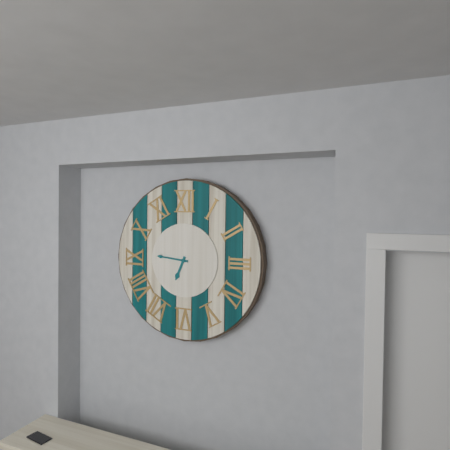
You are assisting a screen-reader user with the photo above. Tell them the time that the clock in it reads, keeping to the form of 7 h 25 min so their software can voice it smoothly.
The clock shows 6 h 46 min
